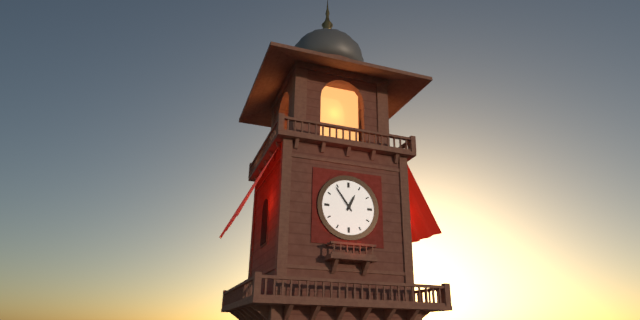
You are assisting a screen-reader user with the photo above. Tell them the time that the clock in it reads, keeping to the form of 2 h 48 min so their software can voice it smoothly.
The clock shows 12 h 54 min
